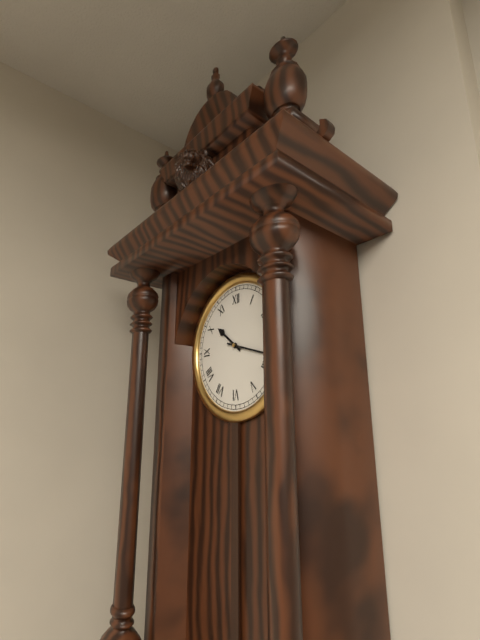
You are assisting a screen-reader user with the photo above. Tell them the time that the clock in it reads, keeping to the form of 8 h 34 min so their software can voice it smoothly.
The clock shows 10 h 18 min
